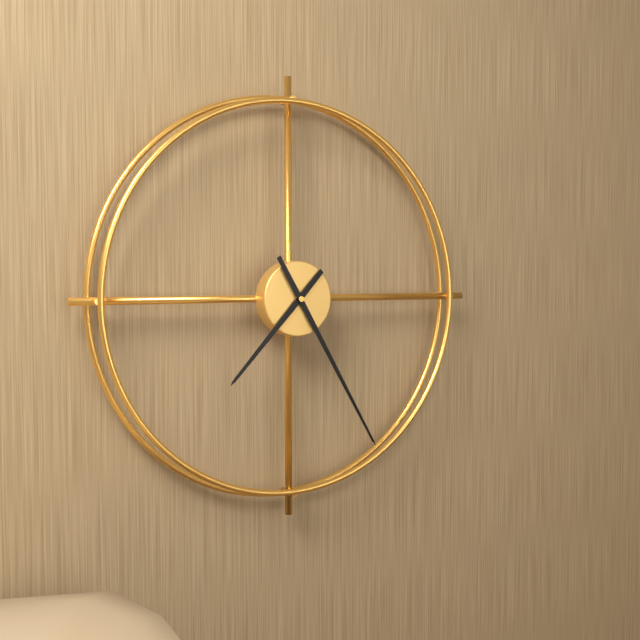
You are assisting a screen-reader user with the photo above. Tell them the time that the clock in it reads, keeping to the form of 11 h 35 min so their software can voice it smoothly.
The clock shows 7 h 25 min
